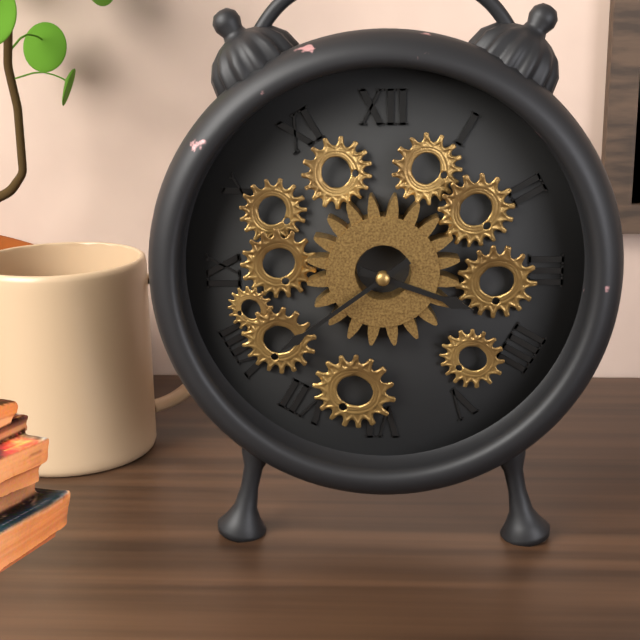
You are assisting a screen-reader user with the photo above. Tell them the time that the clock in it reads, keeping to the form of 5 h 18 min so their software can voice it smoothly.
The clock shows 3 h 39 min
